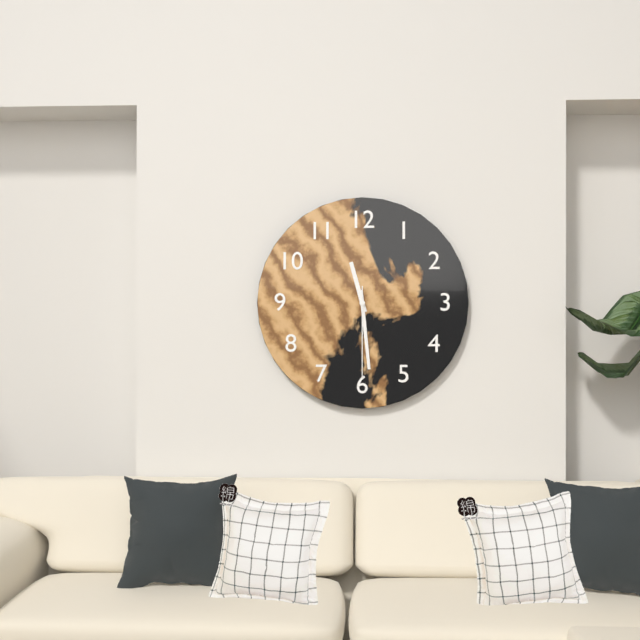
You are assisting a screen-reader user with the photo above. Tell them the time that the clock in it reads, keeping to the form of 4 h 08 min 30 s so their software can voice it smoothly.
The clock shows 11 h 29 min 30 s
